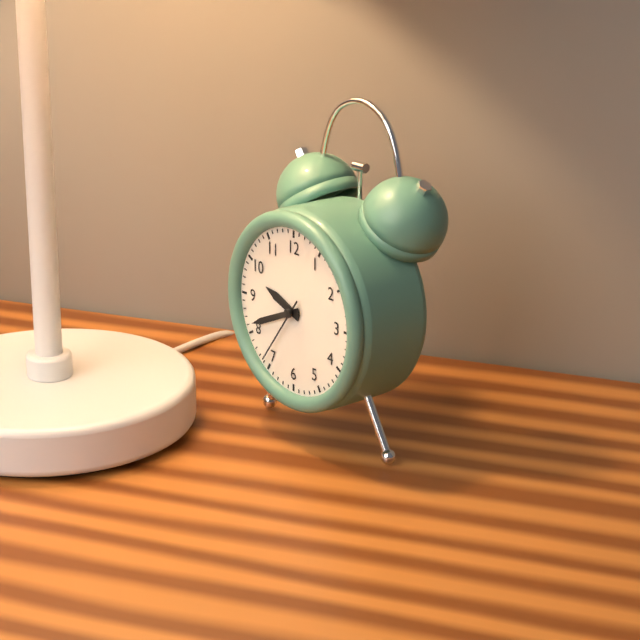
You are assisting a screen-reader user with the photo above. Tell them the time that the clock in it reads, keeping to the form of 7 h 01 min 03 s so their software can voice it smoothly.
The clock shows 9 h 41 min 36 s
